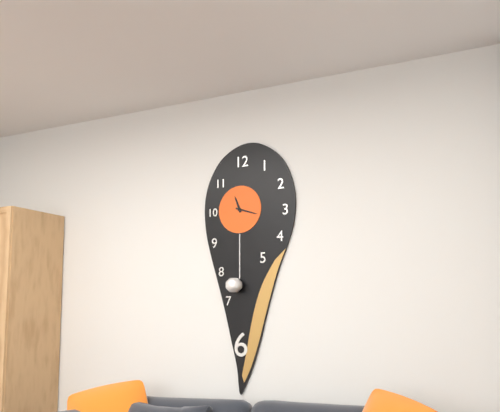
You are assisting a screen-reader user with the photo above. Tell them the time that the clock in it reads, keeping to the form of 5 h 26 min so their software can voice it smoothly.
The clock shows 11 h 18 min
